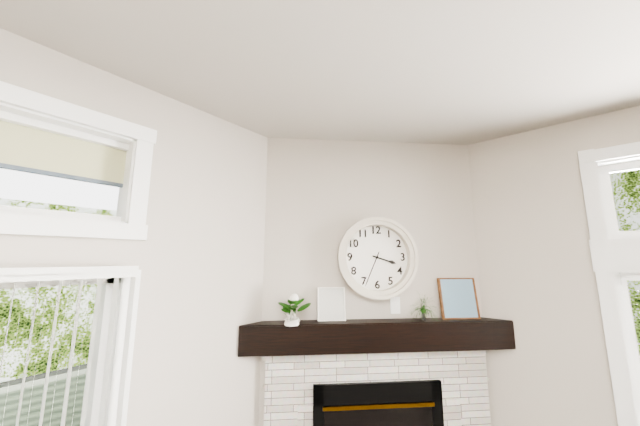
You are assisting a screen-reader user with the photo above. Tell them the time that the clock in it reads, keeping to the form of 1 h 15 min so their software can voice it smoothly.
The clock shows 3 h 34 min
